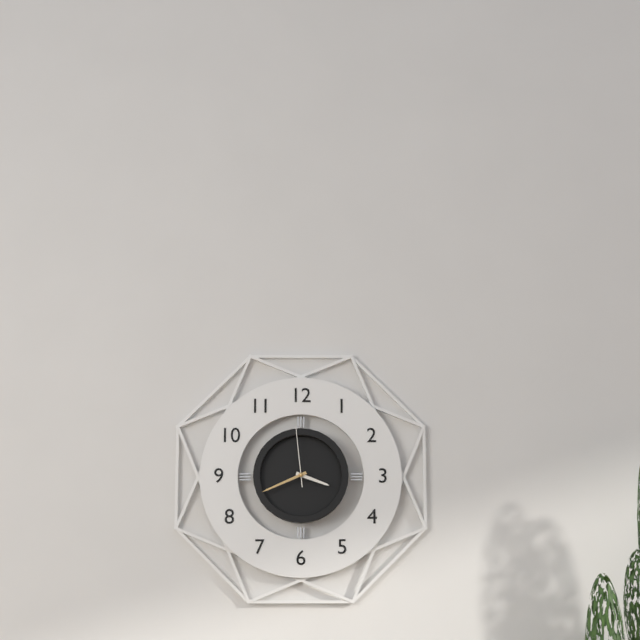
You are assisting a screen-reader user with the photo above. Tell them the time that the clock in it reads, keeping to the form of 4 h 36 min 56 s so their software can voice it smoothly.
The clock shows 3 h 41 min 59 s
